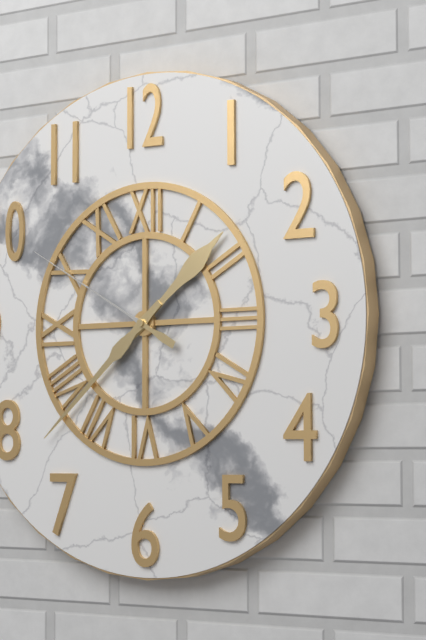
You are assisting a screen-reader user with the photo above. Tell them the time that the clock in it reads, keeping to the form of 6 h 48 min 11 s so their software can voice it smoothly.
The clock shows 1 h 38 min 50 s
